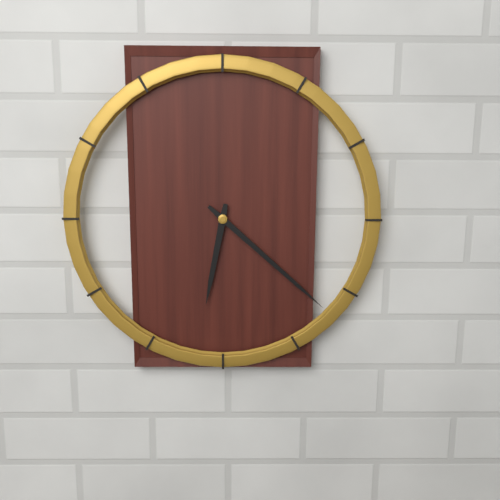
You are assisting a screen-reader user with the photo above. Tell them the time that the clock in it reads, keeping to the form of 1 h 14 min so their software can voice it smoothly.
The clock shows 6 h 22 min
